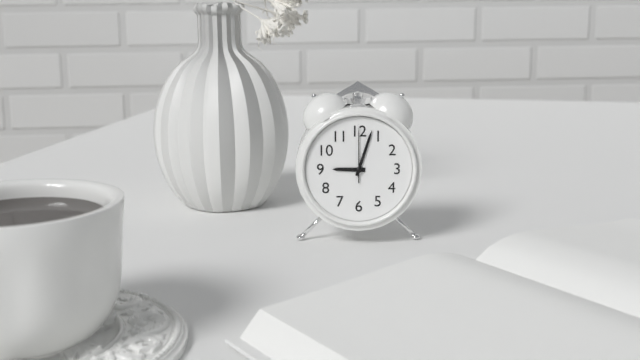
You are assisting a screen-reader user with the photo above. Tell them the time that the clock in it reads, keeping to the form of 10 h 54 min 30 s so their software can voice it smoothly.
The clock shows 9 h 03 min 00 s
